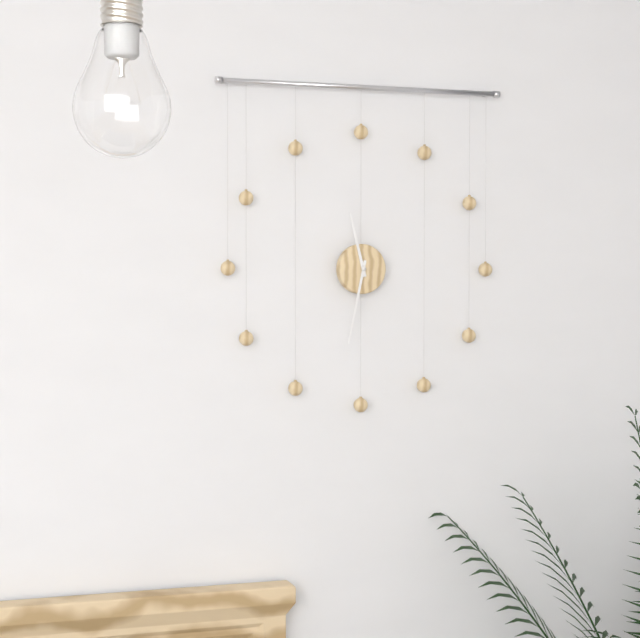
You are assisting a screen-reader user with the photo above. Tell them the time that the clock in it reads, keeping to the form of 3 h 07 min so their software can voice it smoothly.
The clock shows 11 h 32 min
